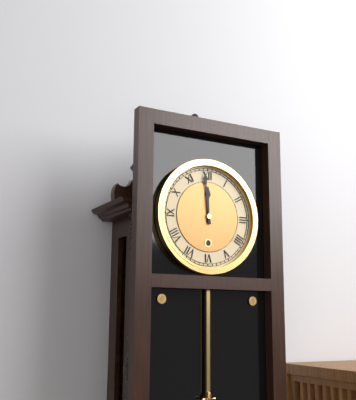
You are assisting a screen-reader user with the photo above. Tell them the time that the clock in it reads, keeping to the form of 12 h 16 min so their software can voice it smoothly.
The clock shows 11 h 59 min
